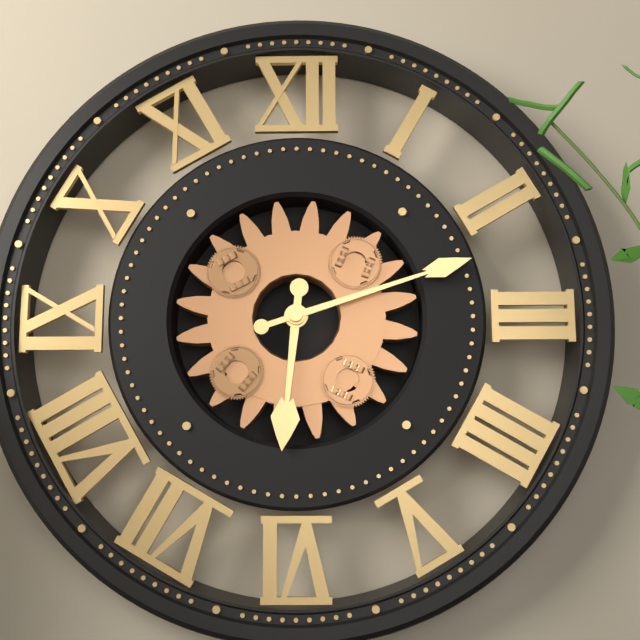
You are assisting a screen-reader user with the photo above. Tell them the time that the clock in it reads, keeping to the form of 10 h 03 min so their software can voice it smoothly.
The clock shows 6 h 12 min
